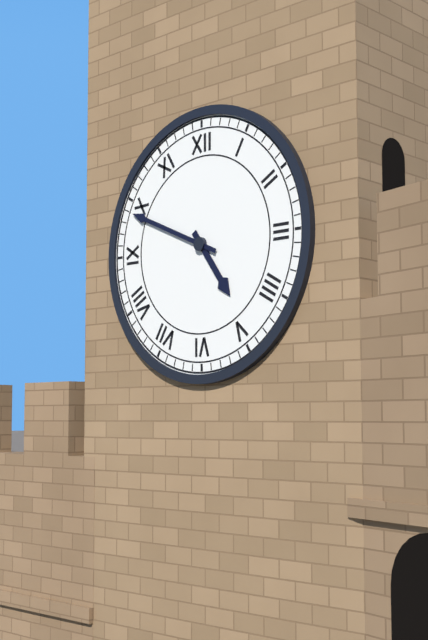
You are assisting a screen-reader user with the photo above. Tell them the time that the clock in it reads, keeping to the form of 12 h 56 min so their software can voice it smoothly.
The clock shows 4 h 49 min
